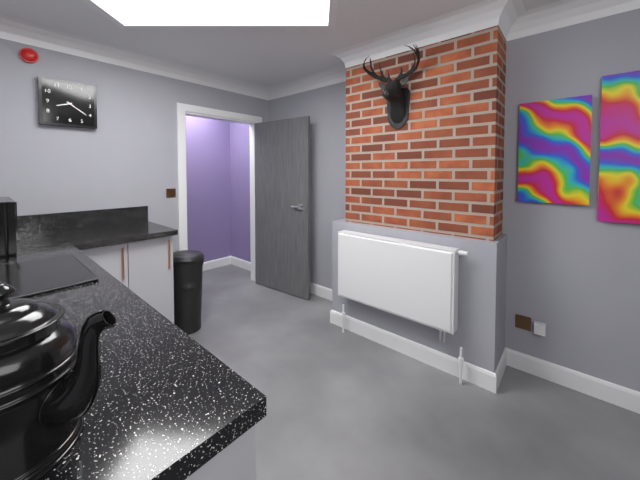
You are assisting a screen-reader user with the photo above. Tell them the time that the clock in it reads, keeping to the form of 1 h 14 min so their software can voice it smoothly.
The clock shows 8 h 21 min
